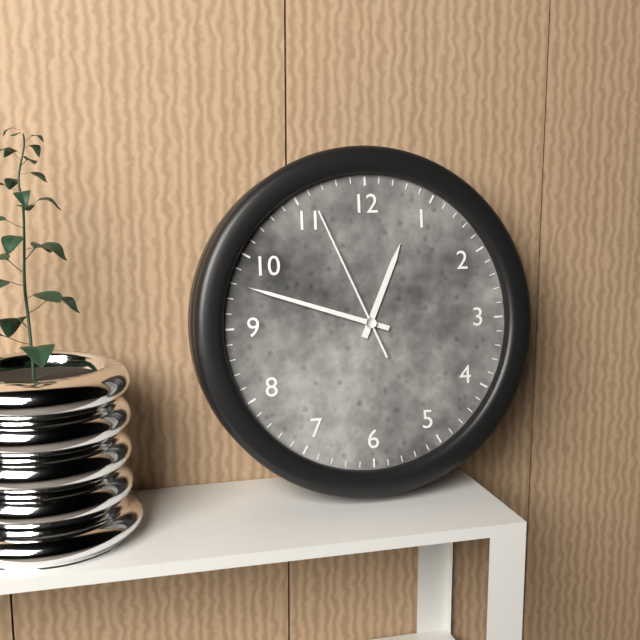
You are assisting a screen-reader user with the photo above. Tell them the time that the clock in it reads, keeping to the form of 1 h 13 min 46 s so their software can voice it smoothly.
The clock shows 12 h 48 min 56 s
